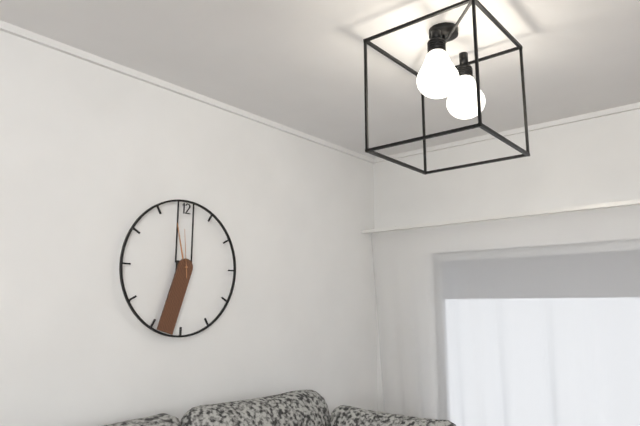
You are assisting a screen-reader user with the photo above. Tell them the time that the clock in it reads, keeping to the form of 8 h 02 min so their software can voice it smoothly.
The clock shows 11 h 33 min
